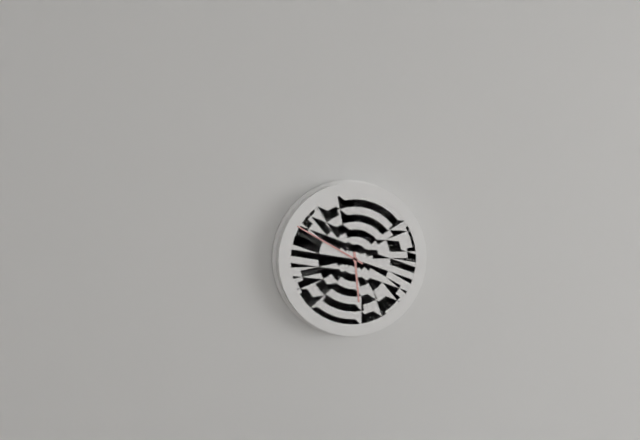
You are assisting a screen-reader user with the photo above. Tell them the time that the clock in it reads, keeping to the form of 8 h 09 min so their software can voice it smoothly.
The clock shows 5 h 50 min
